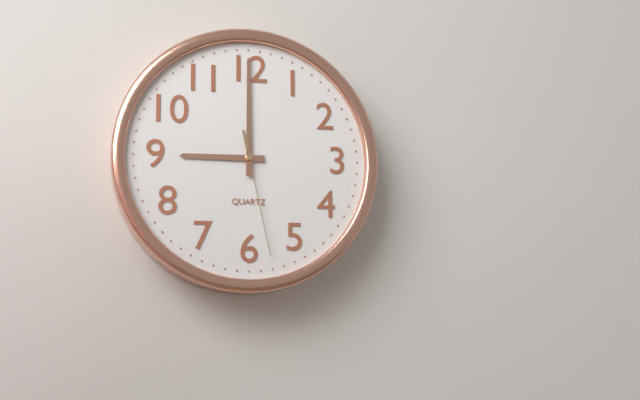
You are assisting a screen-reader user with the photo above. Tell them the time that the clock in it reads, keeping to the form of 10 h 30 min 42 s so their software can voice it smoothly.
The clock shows 9 h 00 min 28 s
